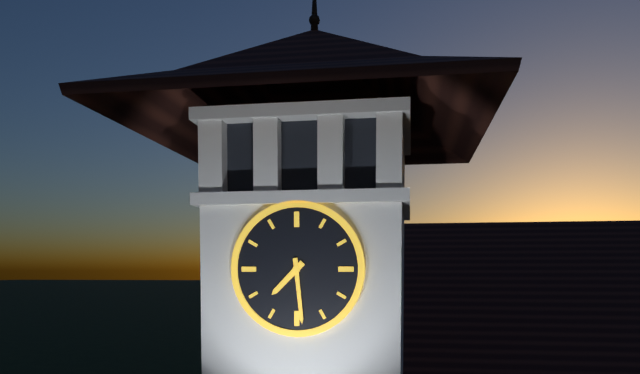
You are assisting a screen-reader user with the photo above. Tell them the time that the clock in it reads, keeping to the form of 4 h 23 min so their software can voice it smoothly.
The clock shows 7 h 29 min
